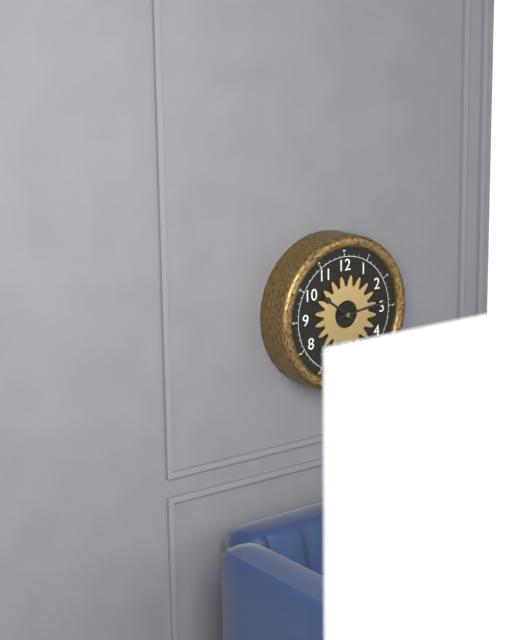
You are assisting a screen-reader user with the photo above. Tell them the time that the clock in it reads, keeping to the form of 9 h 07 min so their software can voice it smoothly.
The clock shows 10 h 14 min
